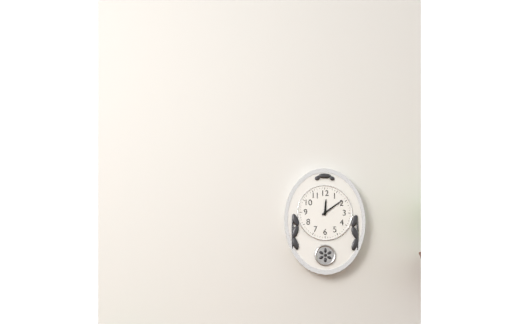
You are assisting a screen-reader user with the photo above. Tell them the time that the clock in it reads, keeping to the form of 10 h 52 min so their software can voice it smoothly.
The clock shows 12 h 09 min
